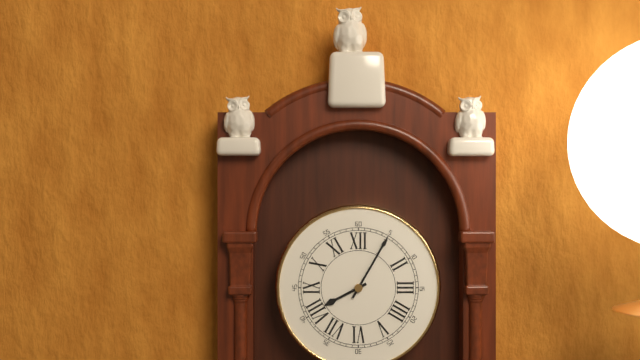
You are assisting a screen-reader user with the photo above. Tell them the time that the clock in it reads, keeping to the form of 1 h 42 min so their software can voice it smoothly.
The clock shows 8 h 05 min
